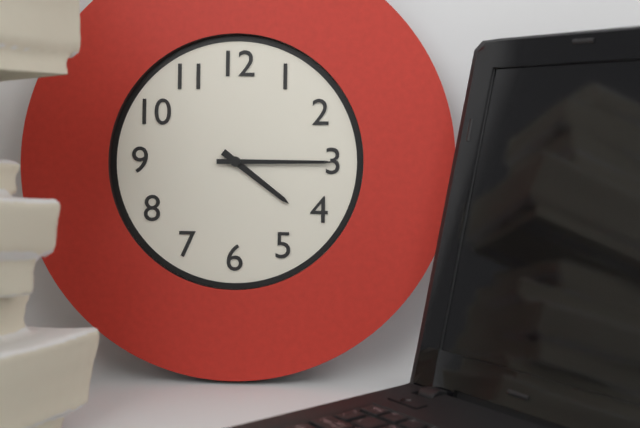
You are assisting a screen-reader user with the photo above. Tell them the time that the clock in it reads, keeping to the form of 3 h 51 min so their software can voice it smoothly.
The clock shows 4 h 15 min
